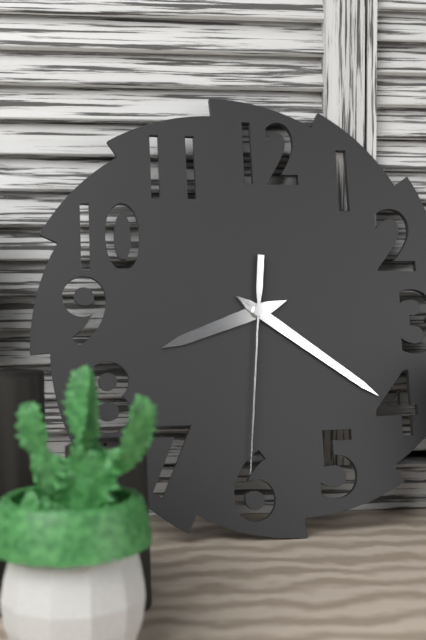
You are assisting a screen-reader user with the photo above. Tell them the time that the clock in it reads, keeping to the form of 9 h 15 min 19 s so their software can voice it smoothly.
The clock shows 8 h 21 min 31 s
